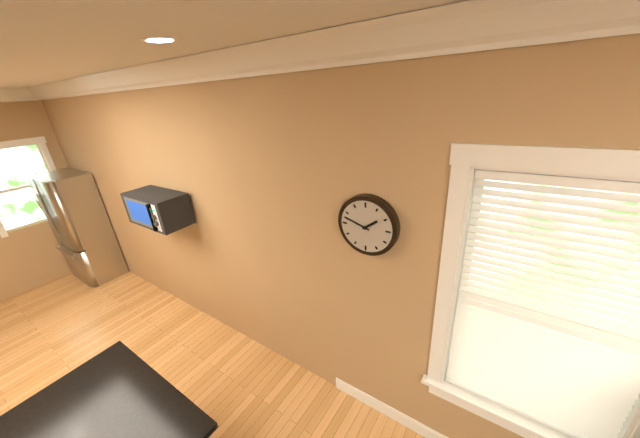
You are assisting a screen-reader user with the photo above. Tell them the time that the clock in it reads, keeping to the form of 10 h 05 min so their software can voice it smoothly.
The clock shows 1 h 48 min
